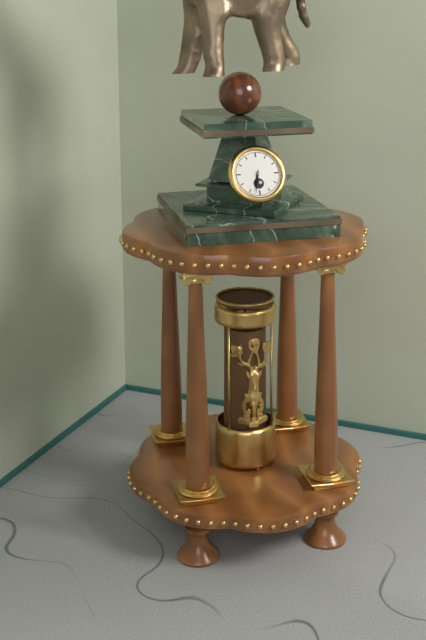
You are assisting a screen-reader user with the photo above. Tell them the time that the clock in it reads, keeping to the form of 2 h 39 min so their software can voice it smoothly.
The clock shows 6 h 32 min
